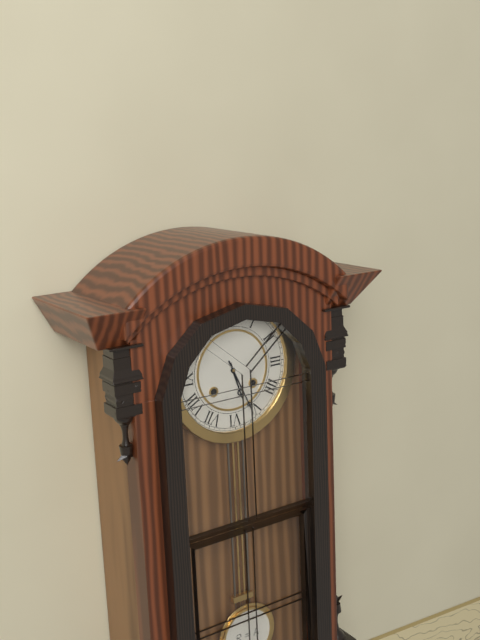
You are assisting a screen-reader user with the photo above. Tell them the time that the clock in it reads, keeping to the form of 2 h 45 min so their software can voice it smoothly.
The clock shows 5 h 26 min
